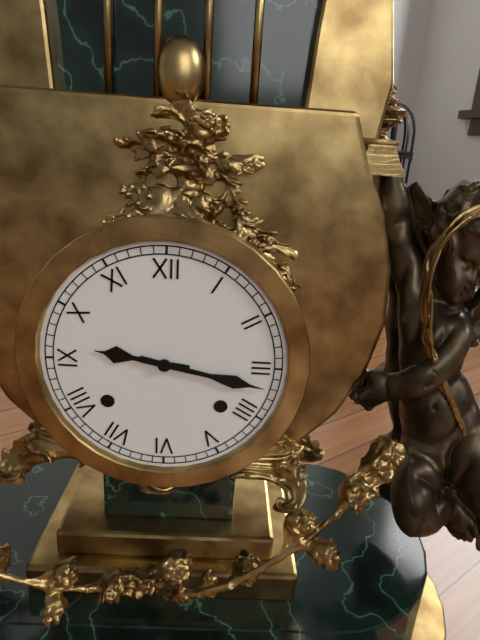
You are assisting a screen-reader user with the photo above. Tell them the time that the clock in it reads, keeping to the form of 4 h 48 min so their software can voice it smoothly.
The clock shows 9 h 17 min
